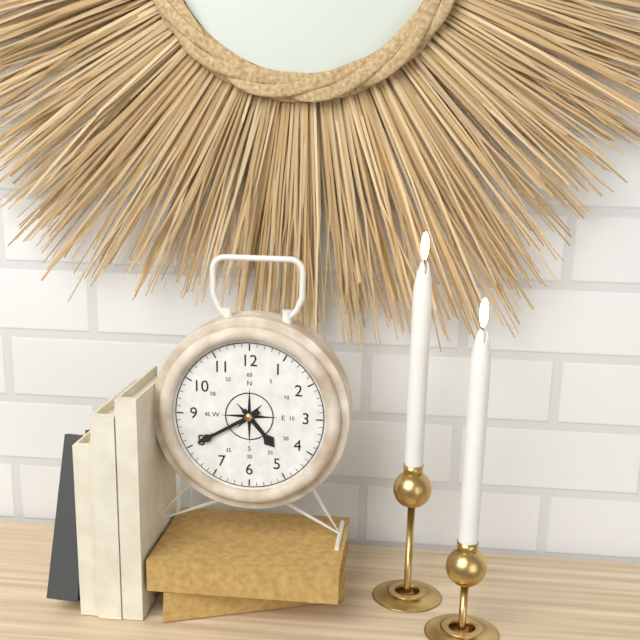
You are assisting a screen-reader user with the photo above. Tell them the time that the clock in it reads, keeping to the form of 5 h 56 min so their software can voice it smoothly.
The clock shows 4 h 40 min
